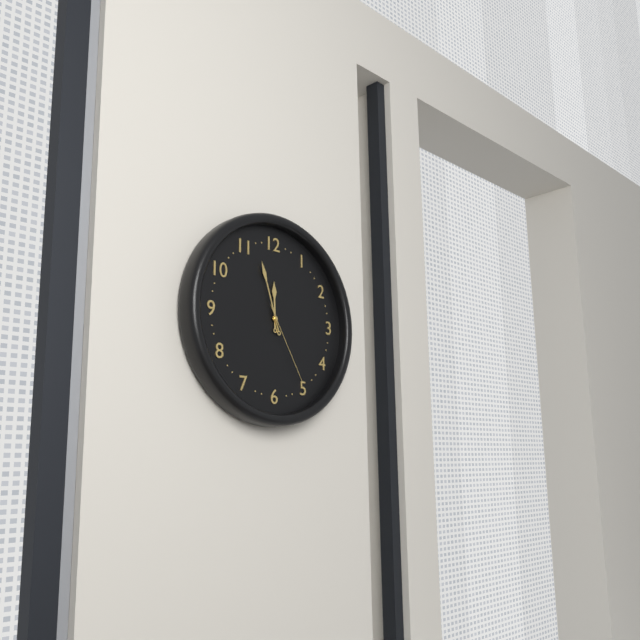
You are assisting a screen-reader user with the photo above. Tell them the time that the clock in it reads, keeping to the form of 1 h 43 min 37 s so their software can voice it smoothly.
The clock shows 11 h 57 min 25 s
